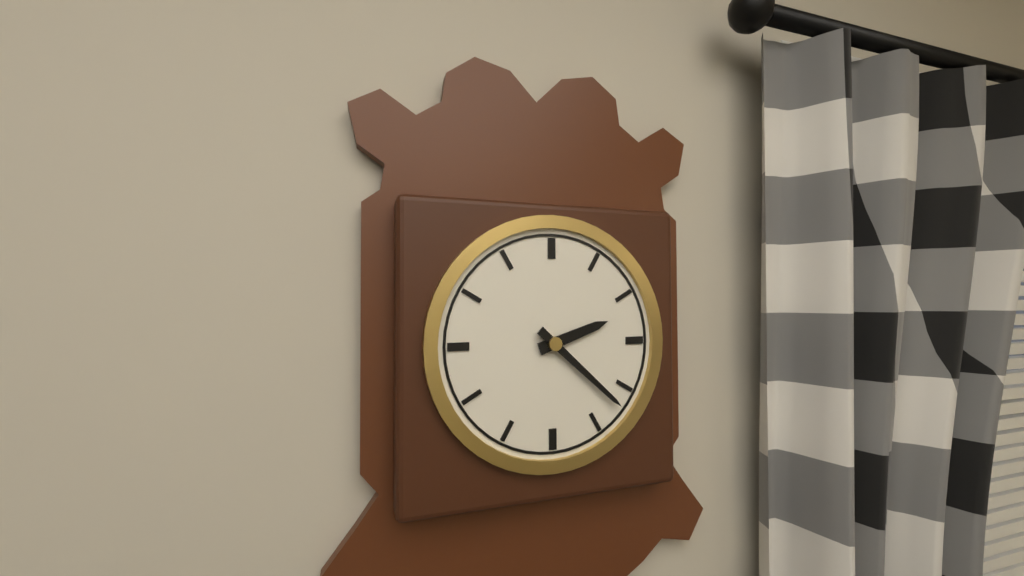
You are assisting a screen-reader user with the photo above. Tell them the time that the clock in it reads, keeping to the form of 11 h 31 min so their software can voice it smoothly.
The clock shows 2 h 22 min
